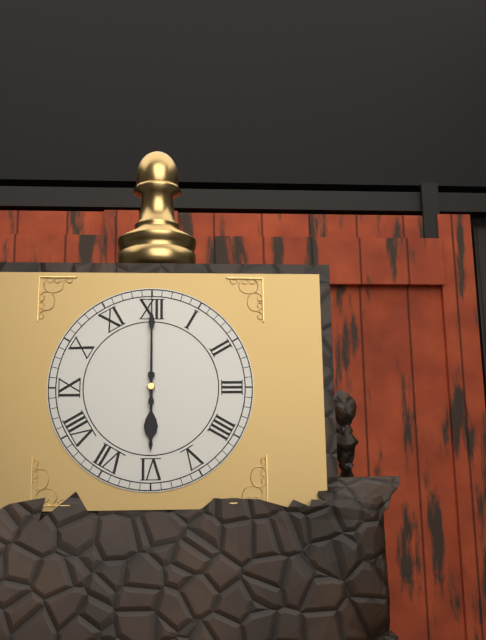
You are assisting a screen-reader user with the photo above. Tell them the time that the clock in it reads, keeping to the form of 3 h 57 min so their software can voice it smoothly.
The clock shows 6 h 00 min
